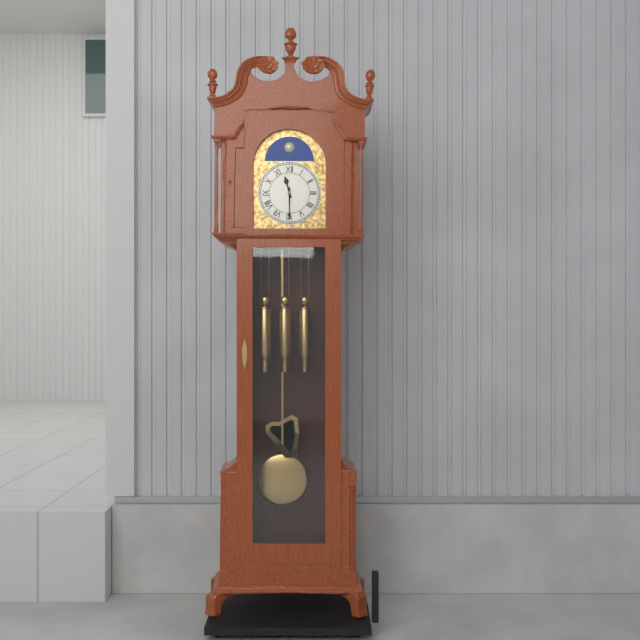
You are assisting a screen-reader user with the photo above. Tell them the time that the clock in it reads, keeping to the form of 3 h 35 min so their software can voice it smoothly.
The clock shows 11 h 30 min
